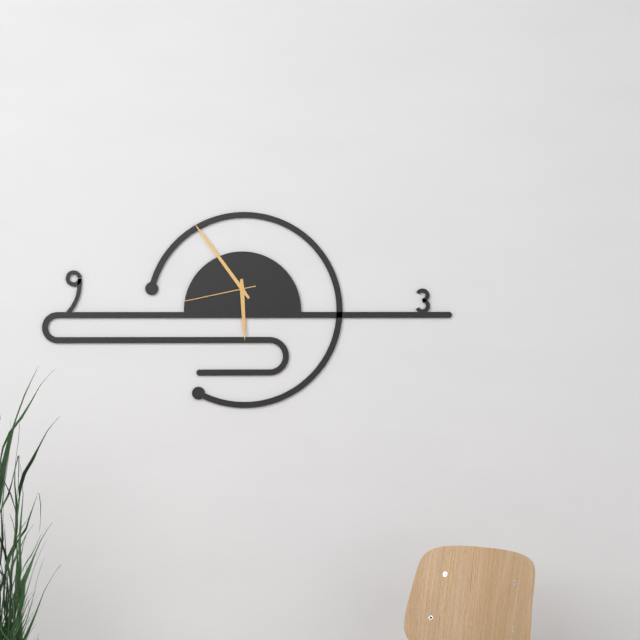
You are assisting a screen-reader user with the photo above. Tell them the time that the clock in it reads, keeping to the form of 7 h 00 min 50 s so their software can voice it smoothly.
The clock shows 5 h 54 min 43 s
